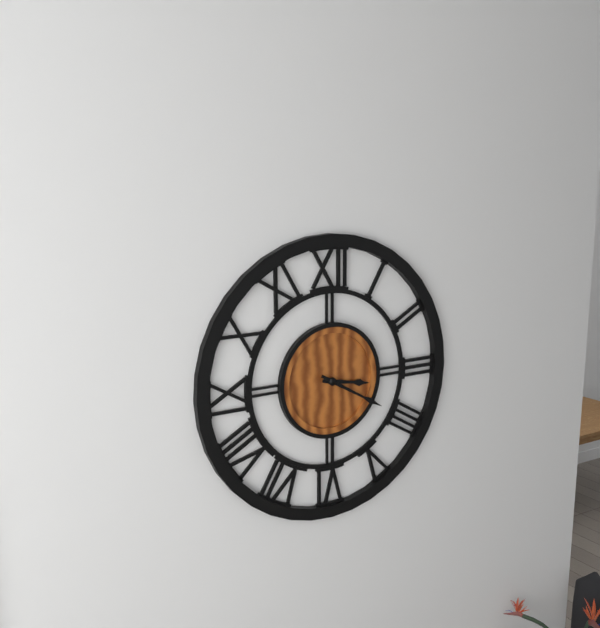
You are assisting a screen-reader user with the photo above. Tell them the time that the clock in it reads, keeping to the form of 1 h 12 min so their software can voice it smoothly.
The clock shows 3 h 20 min
